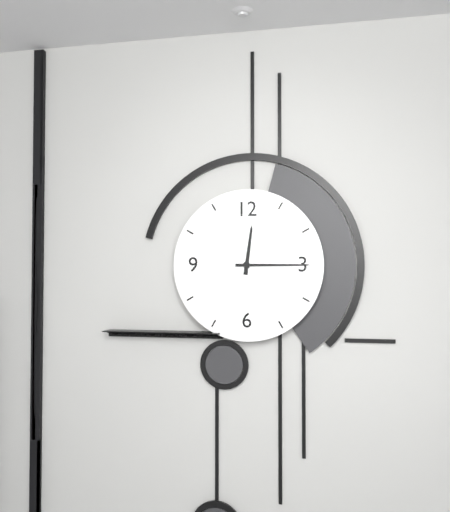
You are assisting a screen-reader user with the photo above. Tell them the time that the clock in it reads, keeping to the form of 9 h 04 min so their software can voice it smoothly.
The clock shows 12 h 15 min
